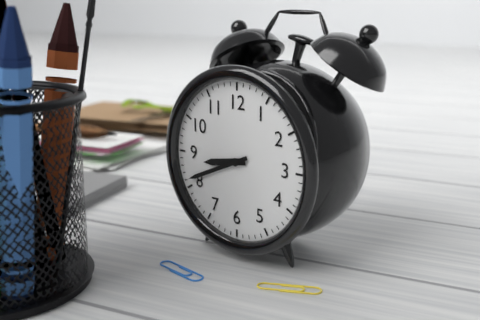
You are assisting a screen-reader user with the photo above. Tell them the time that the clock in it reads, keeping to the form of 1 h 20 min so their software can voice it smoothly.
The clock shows 8 h 41 min
